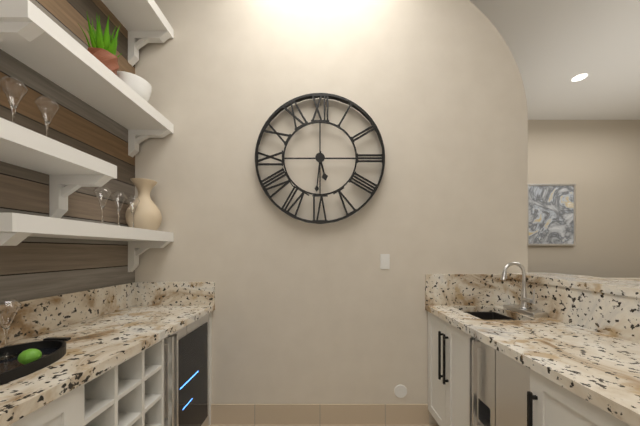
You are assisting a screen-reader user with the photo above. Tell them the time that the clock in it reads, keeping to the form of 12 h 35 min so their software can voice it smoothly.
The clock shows 5 h 31 min
